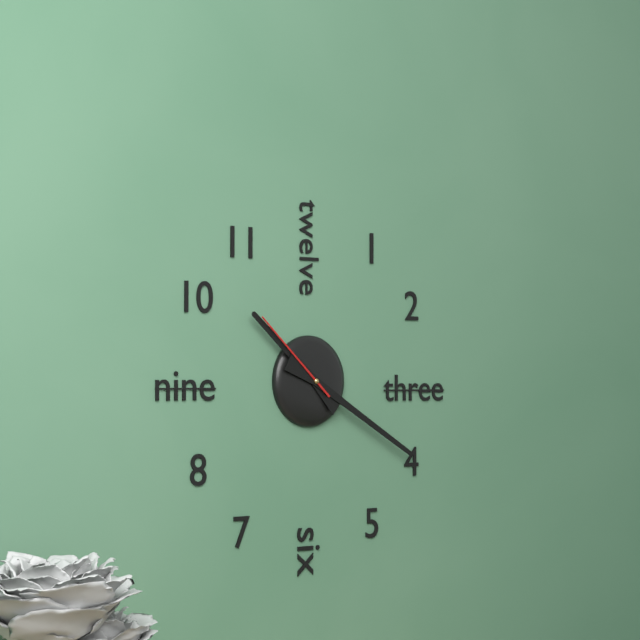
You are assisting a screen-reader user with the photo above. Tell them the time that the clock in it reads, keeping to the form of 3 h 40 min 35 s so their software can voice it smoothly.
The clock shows 10 h 20 min 52 s
